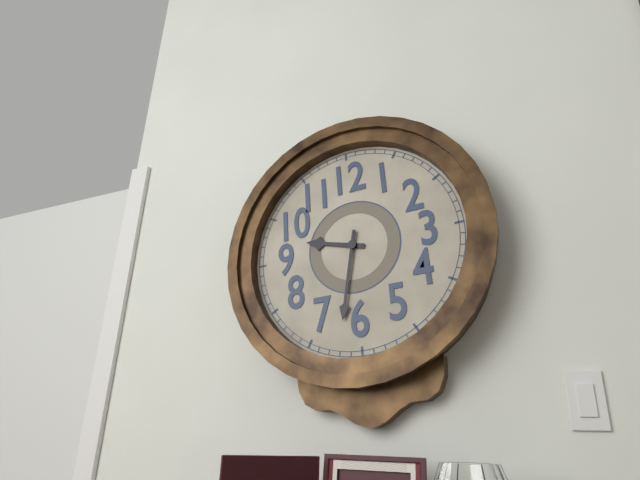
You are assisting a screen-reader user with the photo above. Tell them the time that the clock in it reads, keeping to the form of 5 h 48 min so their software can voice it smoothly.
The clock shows 9 h 32 min
